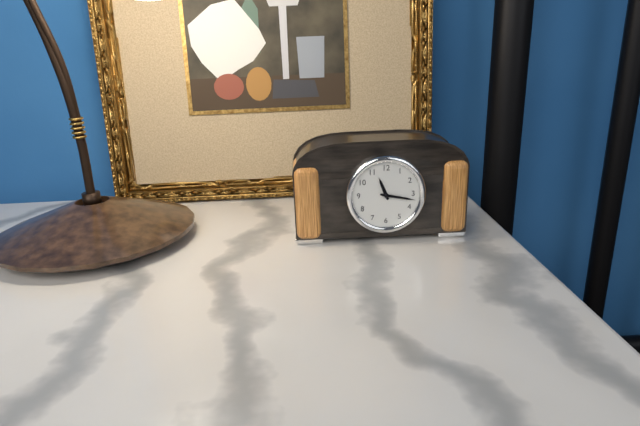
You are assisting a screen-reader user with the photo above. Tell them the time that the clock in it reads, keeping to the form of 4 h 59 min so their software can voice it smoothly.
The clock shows 11 h 17 min
